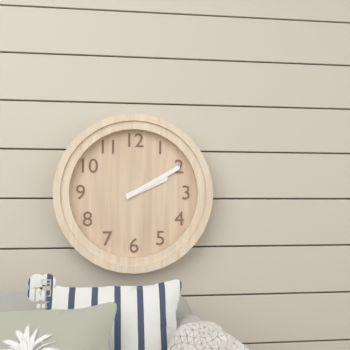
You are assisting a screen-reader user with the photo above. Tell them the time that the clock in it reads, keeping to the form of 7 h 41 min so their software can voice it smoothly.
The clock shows 2 h 10 min
